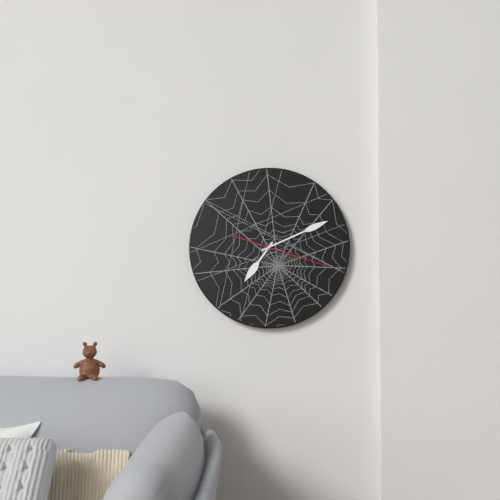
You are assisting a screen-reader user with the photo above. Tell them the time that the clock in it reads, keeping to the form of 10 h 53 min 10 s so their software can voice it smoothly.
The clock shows 7 h 11 min 18 s
